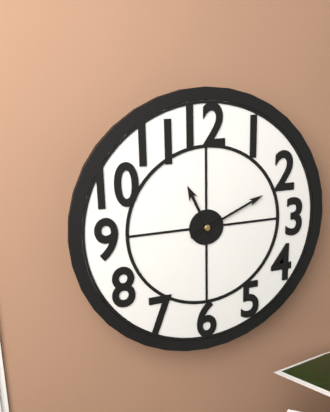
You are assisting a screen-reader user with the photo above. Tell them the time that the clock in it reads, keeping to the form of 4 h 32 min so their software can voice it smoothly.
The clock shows 11 h 11 min
